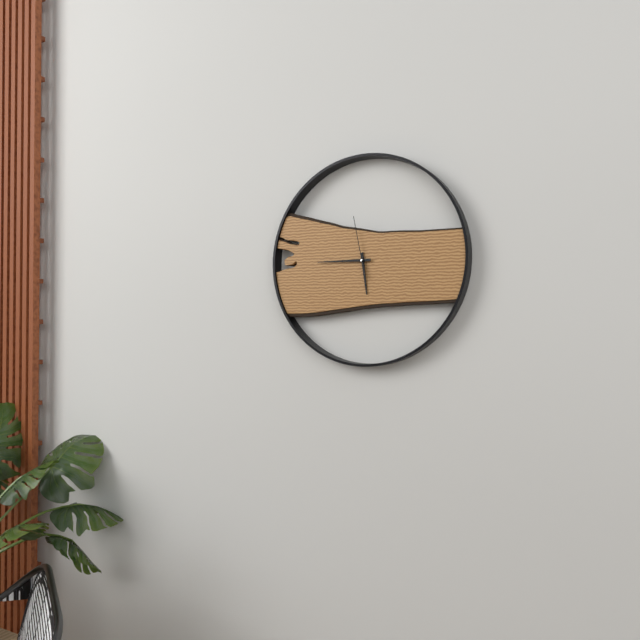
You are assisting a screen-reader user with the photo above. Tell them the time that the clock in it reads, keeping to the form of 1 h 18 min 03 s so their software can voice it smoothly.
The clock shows 5 h 45 min 58 s
